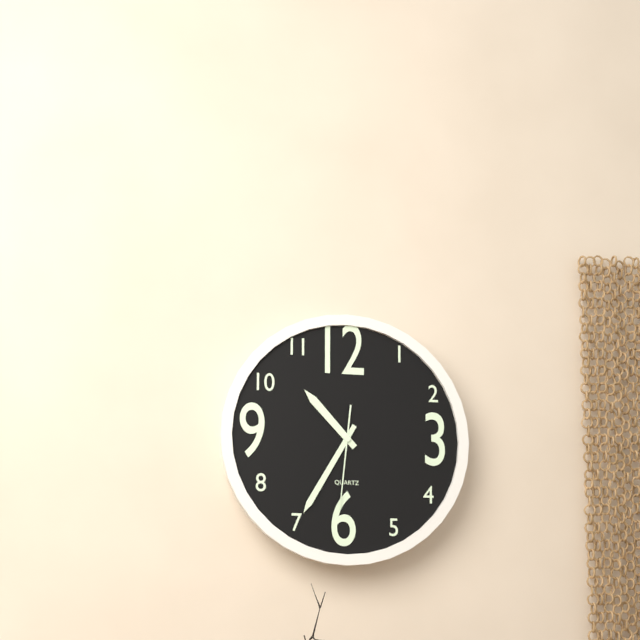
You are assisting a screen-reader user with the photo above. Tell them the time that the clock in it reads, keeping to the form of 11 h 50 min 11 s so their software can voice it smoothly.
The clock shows 10 h 35 min 31 s
